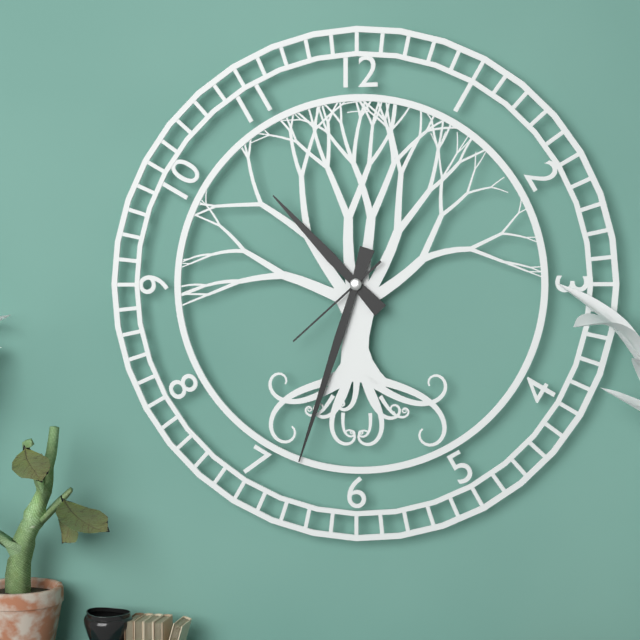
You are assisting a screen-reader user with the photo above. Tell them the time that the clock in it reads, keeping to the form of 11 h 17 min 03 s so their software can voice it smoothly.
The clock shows 10 h 33 min 38 s
